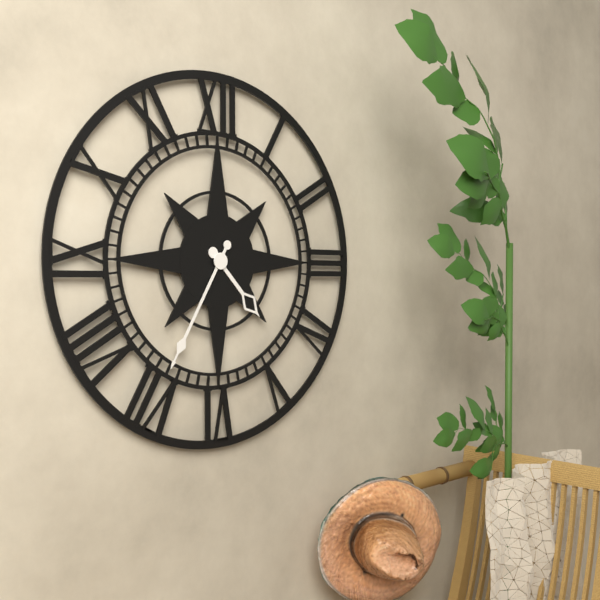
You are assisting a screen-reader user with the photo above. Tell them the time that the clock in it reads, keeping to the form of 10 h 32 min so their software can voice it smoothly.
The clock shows 4 h 35 min
